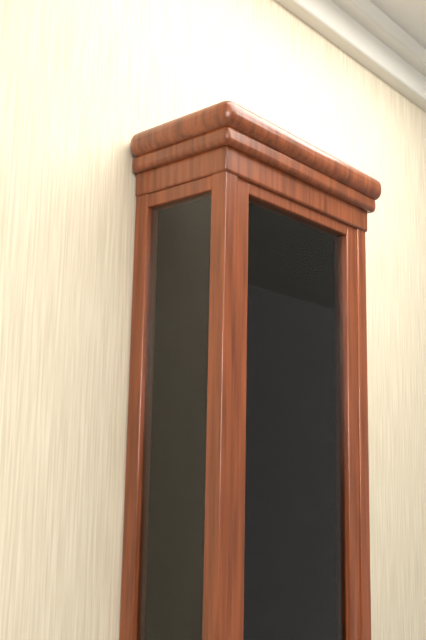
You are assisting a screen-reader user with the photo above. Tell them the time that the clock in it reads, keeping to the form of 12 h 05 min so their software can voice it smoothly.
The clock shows 1 h 08 min
